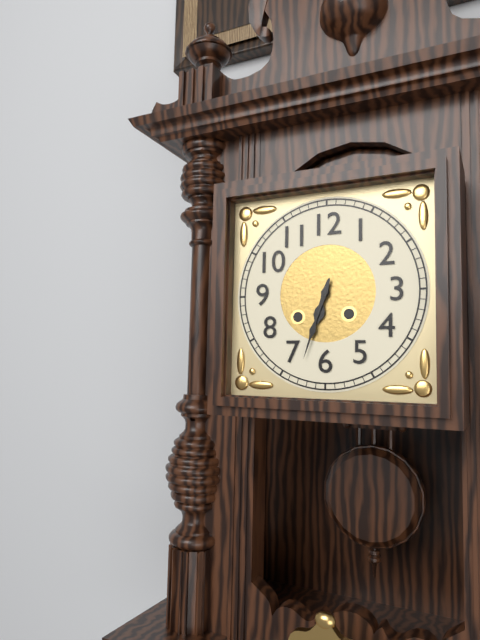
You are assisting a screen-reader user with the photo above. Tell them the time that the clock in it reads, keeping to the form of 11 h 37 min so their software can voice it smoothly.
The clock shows 6 h 33 min
